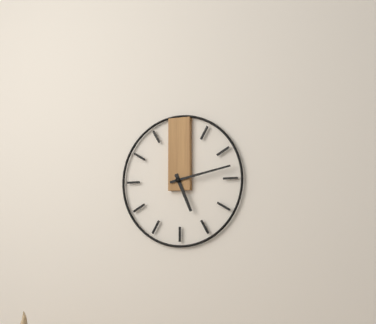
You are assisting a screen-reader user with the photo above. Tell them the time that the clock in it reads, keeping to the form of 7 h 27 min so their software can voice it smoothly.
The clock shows 5 h 13 min
